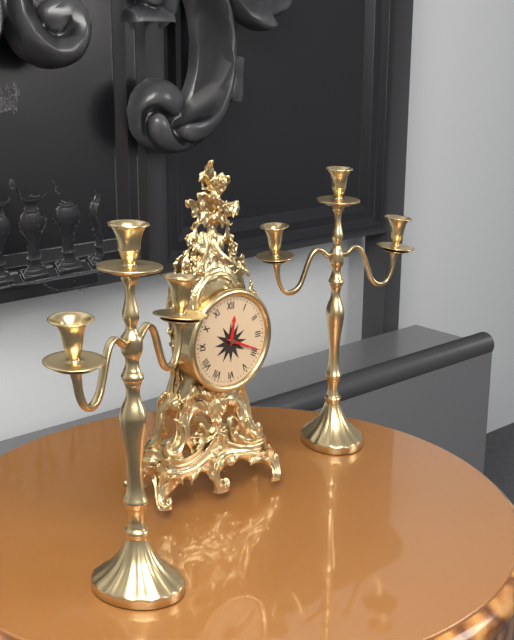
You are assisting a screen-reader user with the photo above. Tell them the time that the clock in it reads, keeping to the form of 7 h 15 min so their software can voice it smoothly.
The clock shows 12 h 19 min
